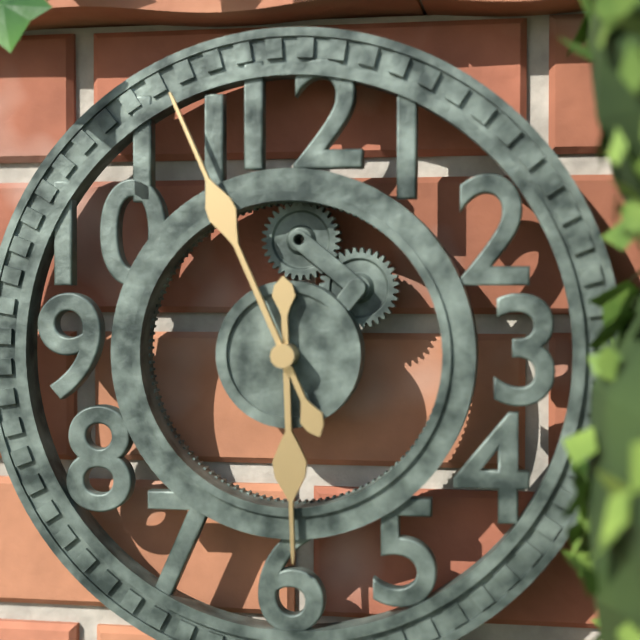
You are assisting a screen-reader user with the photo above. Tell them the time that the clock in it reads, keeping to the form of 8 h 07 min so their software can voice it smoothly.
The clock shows 5 h 56 min
